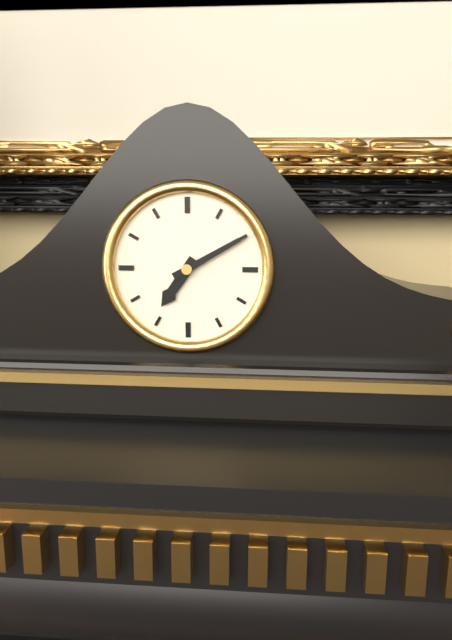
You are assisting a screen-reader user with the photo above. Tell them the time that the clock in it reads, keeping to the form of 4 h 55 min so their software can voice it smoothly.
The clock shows 7 h 10 min
